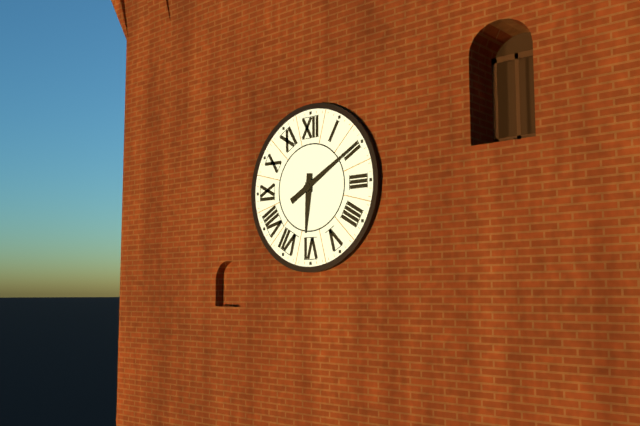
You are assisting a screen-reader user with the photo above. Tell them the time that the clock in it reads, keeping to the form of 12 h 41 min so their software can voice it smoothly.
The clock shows 6 h 10 min
